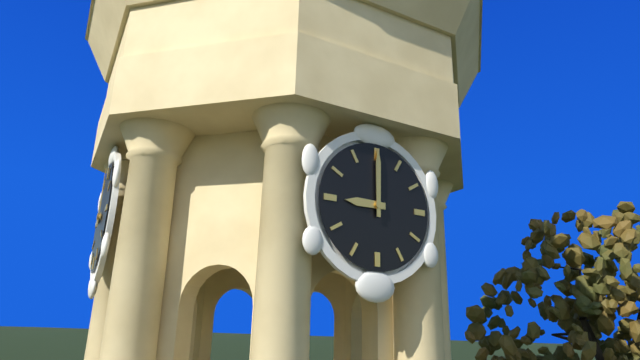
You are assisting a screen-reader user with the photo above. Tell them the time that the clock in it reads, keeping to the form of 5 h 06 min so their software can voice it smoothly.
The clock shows 9 h 00 min
